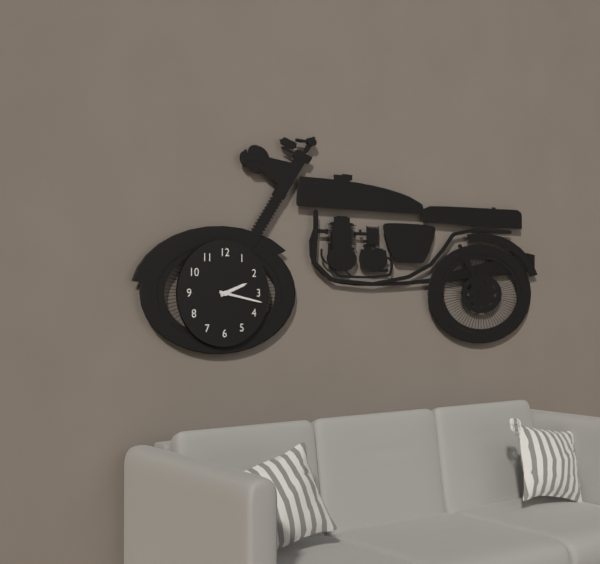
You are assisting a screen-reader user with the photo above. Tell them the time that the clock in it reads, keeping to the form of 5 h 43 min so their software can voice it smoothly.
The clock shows 2 h 17 min
